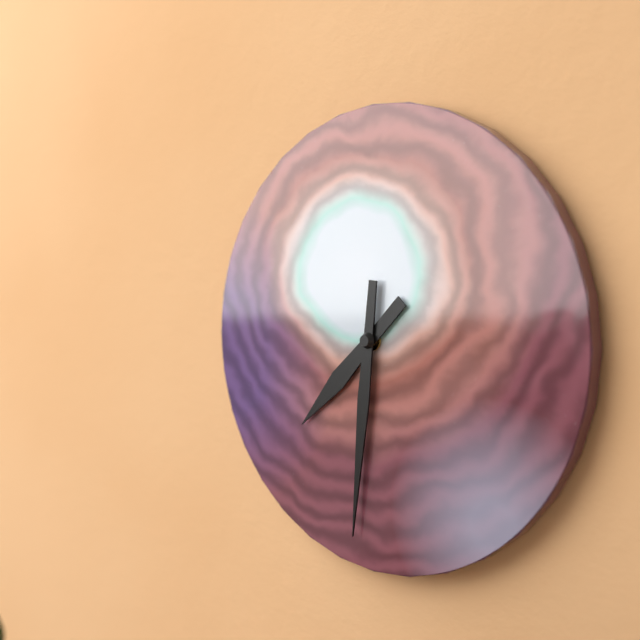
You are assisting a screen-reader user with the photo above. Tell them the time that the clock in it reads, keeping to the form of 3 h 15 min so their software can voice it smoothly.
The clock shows 7 h 31 min
